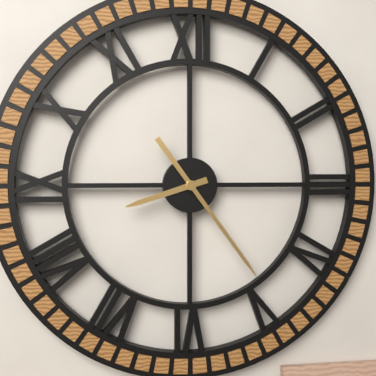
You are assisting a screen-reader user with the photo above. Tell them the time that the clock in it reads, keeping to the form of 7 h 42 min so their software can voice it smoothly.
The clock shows 8 h 24 min
